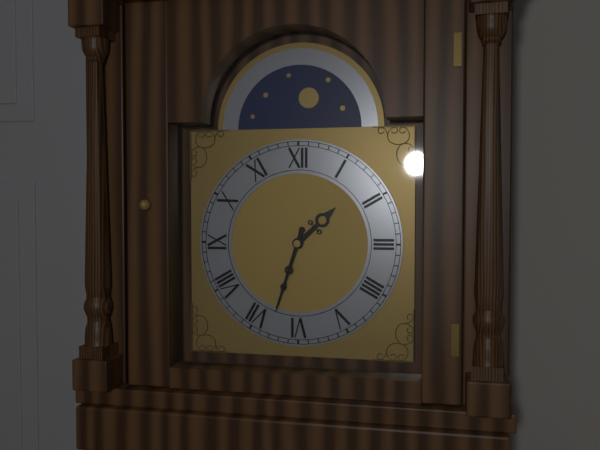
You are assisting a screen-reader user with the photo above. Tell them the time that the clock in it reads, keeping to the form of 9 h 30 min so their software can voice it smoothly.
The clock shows 1 h 33 min
